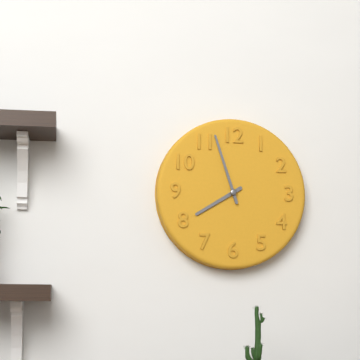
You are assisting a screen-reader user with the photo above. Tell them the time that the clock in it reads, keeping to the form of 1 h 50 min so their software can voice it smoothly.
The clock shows 7 h 57 min
